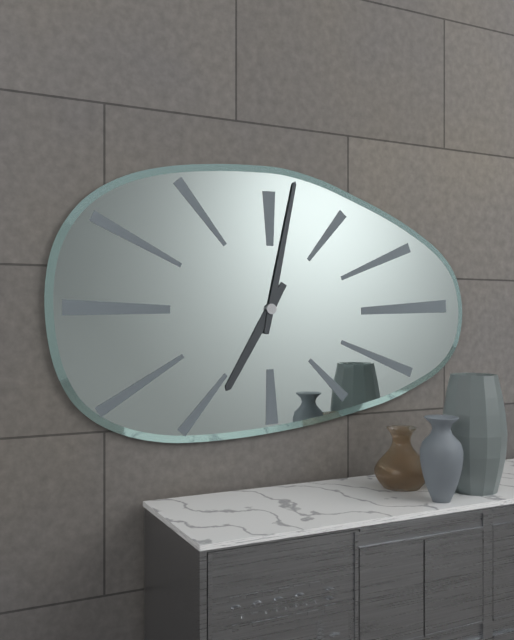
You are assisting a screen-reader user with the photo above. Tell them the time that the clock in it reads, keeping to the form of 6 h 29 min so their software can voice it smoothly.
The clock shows 7 h 02 min
